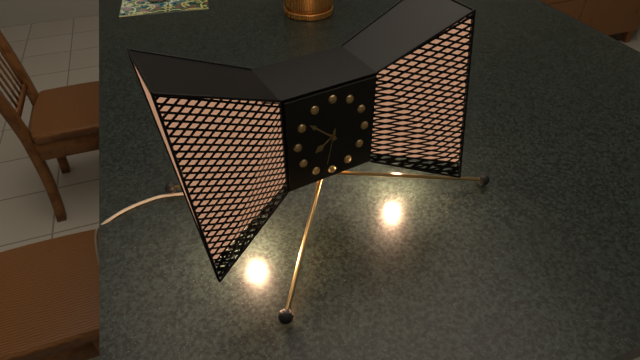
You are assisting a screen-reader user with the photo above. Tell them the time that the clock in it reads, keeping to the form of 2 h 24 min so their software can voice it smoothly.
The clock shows 7 h 52 min
